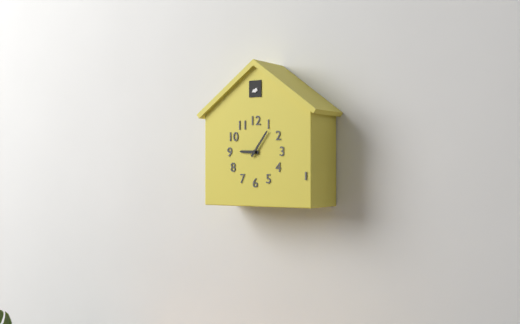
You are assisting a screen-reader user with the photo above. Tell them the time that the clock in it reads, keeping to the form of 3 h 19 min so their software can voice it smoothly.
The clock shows 9 h 06 min
